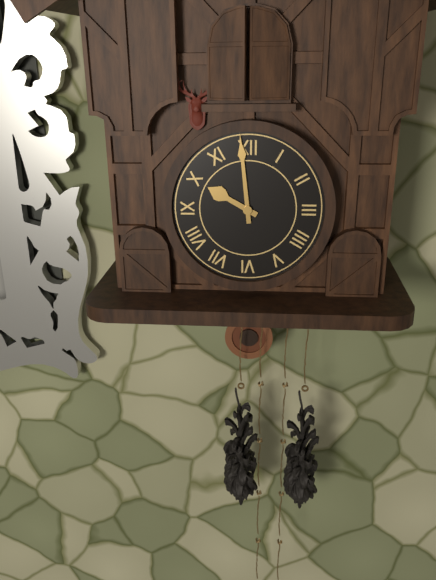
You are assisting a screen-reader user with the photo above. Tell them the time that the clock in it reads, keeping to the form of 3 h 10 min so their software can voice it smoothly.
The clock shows 9 h 59 min
